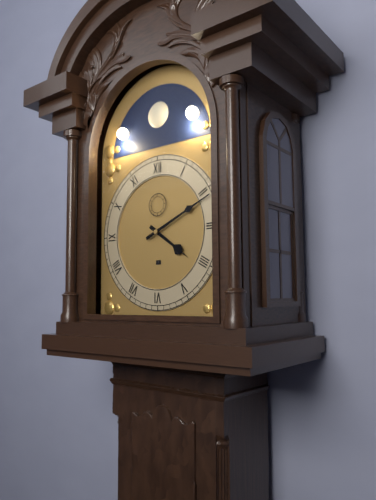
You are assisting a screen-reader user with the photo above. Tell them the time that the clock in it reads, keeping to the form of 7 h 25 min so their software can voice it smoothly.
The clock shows 4 h 11 min
